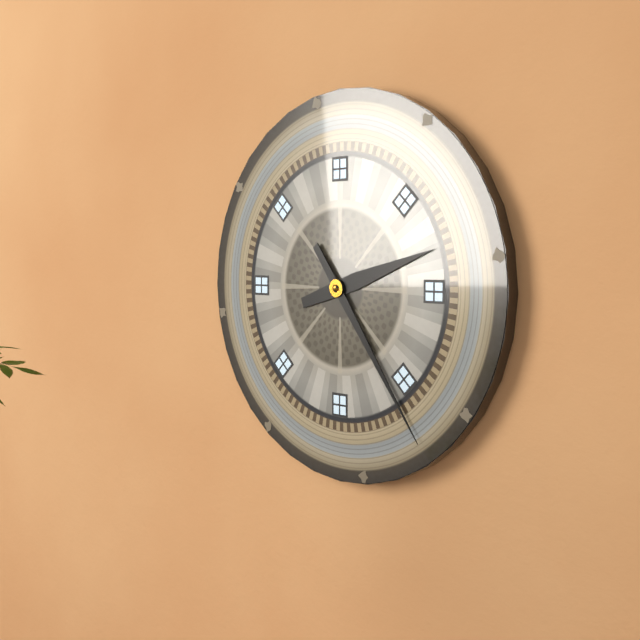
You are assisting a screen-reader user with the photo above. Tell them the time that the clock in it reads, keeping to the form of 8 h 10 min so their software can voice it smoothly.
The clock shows 2 h 24 min
